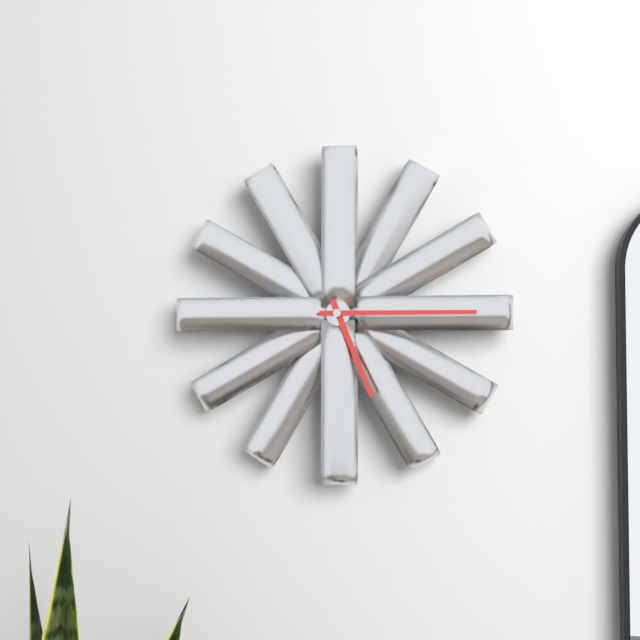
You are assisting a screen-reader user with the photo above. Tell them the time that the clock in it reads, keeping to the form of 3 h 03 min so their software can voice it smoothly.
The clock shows 5 h 15 min
